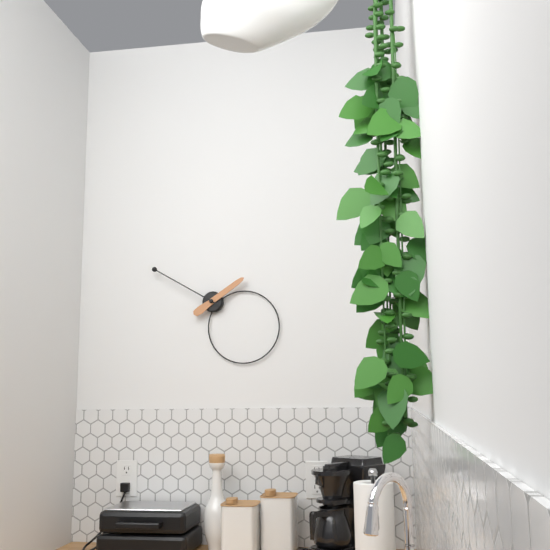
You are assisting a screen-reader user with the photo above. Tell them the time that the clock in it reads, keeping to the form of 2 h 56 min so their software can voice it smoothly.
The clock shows 1 h 50 min
